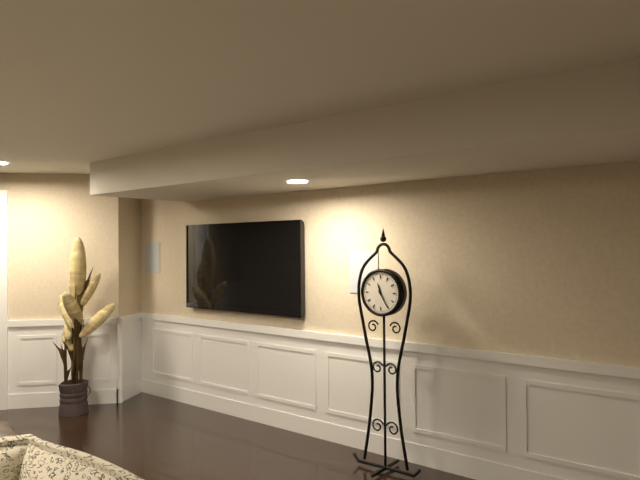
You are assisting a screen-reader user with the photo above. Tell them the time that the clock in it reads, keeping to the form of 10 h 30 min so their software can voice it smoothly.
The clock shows 11 h 25 min
